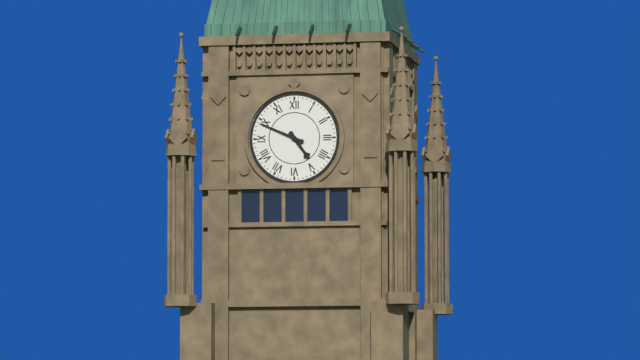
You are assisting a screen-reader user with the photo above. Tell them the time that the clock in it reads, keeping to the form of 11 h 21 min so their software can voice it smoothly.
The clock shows 4 h 49 min
